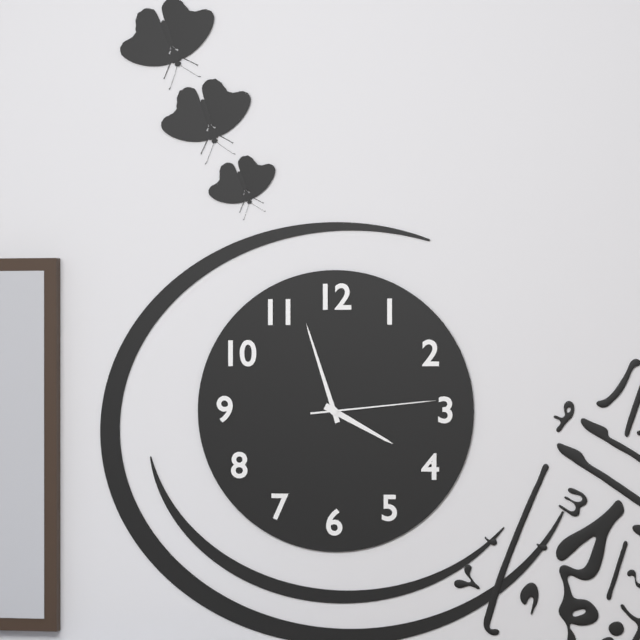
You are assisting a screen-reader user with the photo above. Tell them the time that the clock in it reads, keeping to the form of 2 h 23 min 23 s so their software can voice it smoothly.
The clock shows 3 h 57 min 14 s
